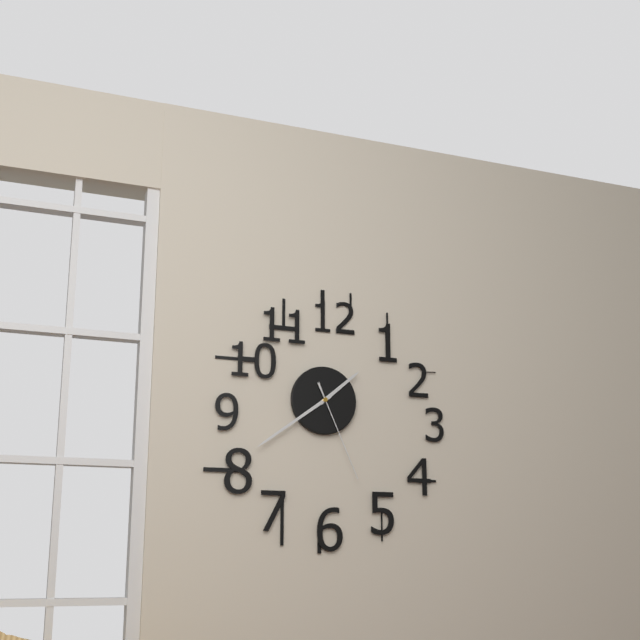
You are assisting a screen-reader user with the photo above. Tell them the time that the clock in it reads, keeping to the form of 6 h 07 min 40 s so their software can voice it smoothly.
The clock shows 1 h 39 min 26 s
